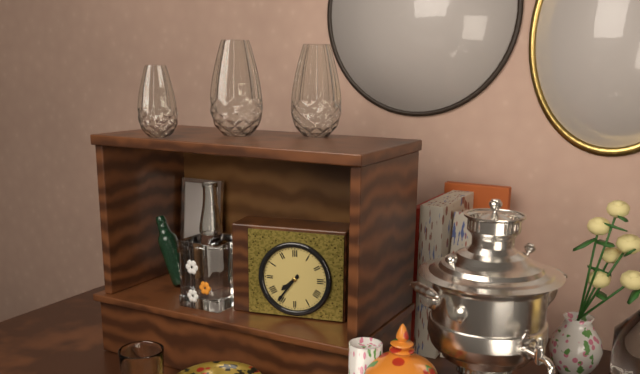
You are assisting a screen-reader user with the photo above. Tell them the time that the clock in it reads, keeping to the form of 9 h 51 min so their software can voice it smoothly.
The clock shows 7 h 36 min
